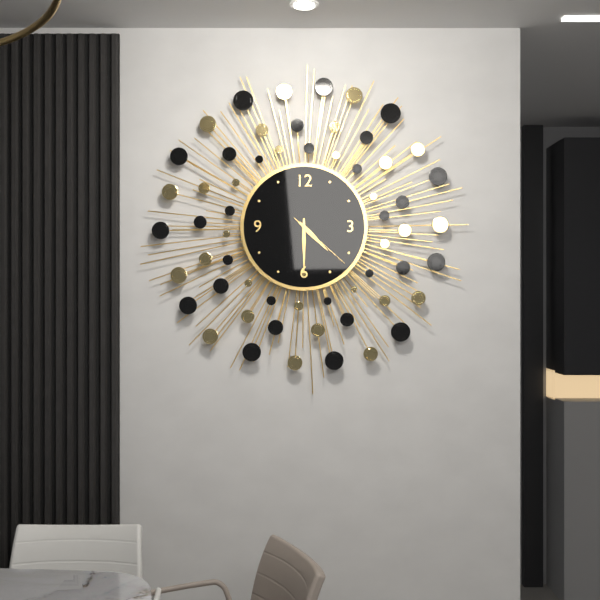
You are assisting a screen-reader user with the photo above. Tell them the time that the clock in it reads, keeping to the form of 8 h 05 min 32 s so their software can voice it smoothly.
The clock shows 4 h 30 min 22 s
